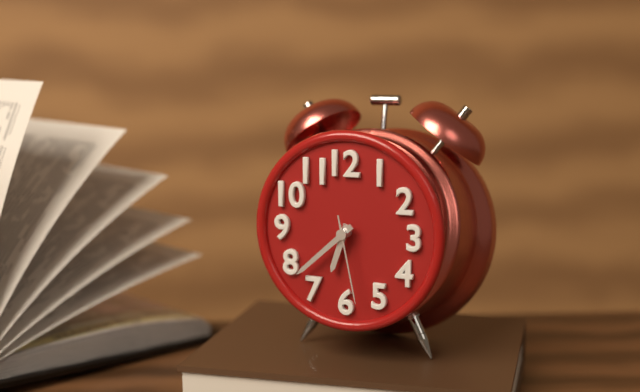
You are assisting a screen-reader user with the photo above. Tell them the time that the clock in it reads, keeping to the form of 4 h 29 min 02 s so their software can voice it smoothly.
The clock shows 6 h 38 min 28 s
